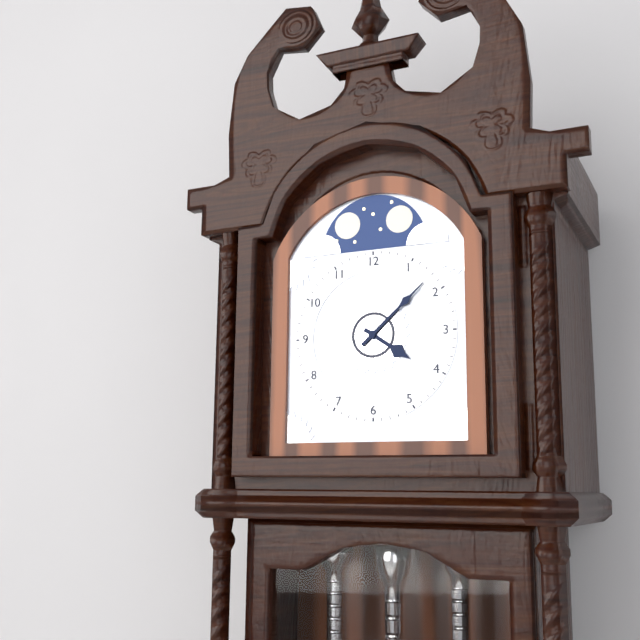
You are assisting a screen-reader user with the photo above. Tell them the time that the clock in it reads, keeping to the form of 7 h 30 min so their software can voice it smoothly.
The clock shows 4 h 08 min
